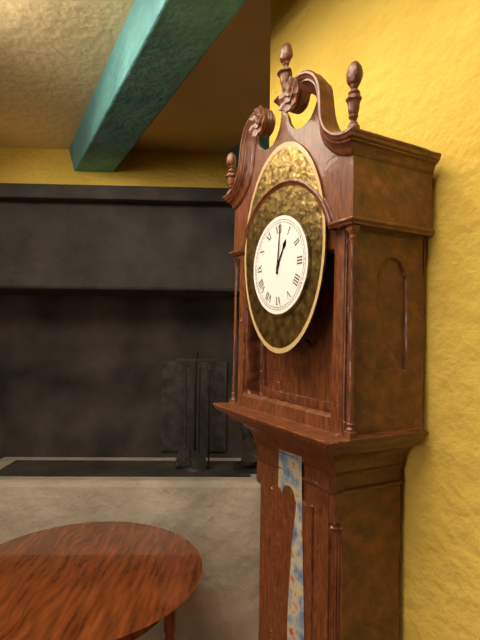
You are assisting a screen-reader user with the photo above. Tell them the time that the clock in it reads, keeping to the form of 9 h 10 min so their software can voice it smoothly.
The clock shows 1 h 01 min
